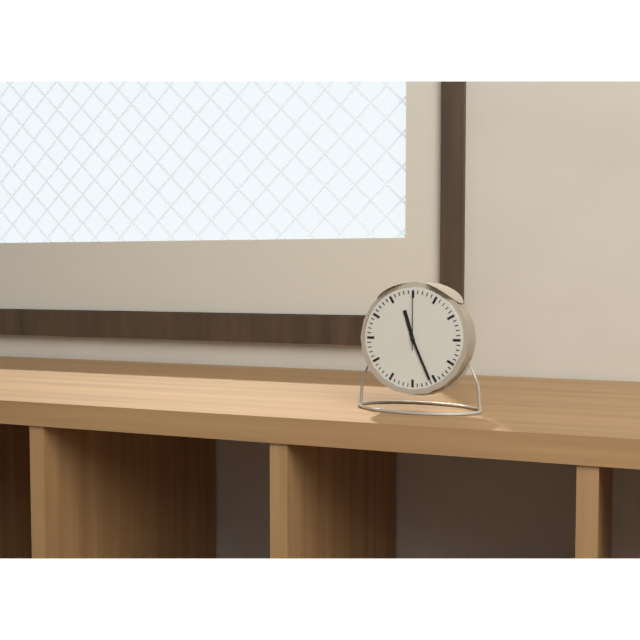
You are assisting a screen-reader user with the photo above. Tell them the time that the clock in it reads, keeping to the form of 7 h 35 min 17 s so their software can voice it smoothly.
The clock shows 11 h 26 min 00 s
